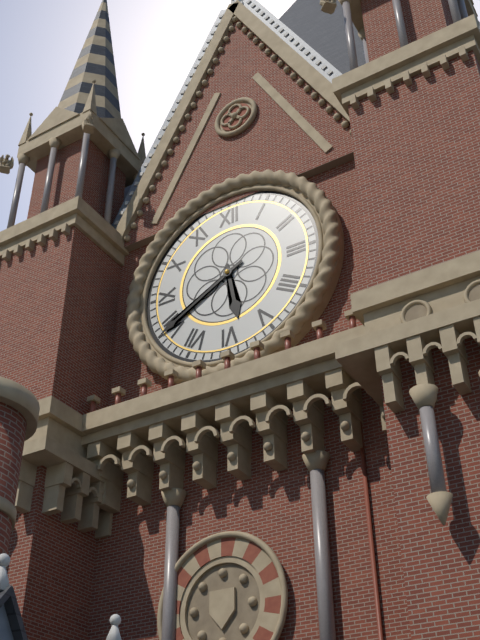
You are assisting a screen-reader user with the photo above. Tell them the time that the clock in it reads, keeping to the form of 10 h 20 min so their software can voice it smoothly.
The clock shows 5 h 40 min
